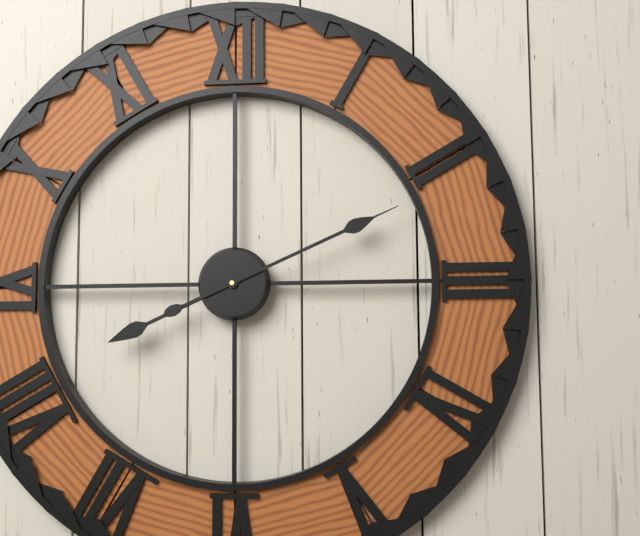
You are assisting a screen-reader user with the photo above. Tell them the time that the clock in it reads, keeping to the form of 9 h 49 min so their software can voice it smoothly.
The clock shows 8 h 11 min
